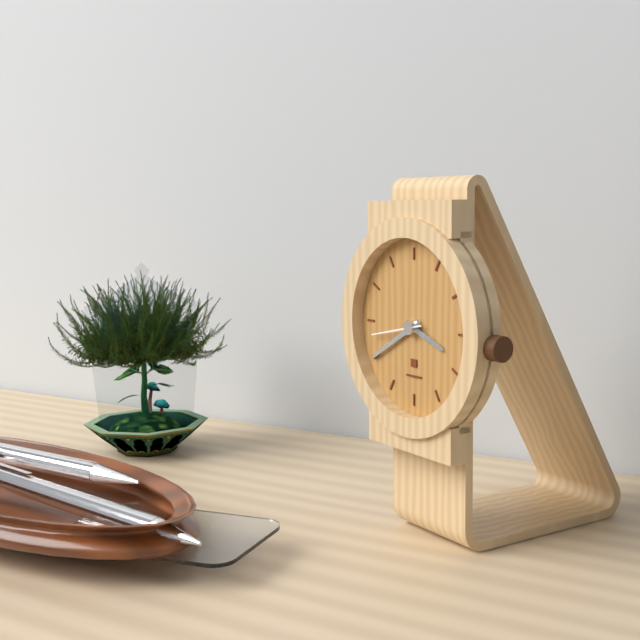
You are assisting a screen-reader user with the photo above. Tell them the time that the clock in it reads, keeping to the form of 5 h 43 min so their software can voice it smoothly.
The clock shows 3 h 40 min
